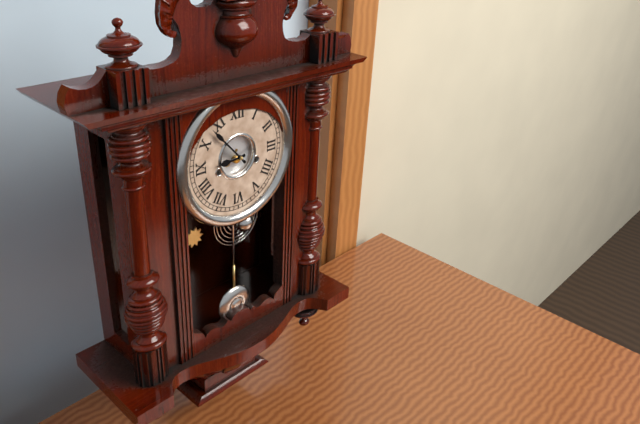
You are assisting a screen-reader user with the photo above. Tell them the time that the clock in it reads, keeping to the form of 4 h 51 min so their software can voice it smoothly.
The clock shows 8 h 53 min
